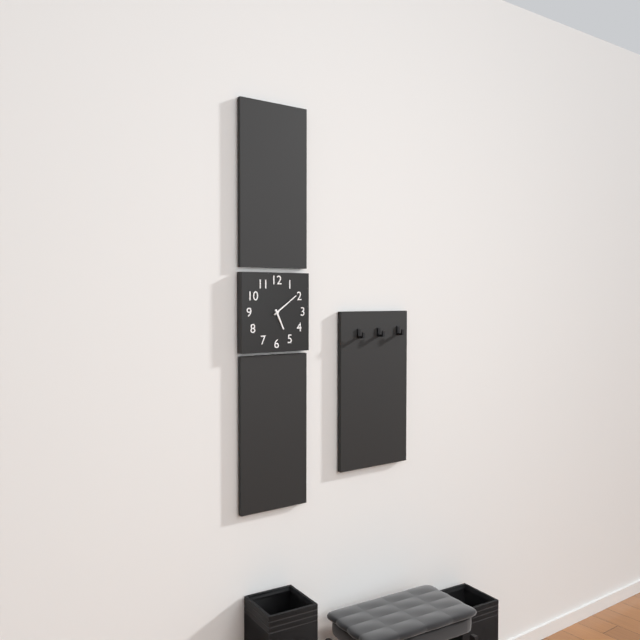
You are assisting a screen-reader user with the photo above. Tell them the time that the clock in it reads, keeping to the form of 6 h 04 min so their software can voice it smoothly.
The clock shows 5 h 09 min
